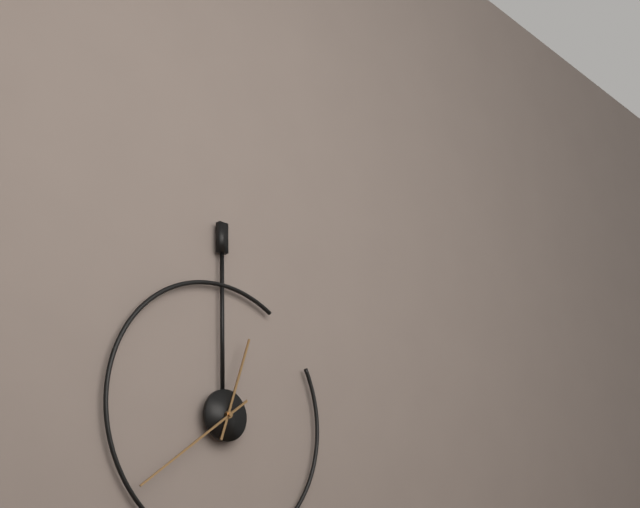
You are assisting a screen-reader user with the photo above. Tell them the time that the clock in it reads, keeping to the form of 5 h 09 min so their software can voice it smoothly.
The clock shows 12 h 39 min
